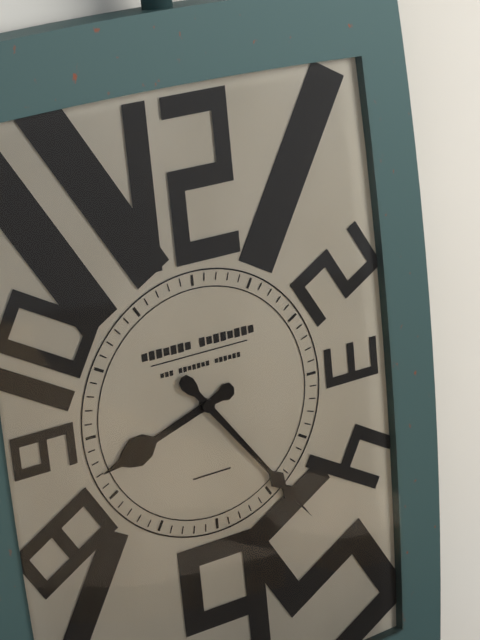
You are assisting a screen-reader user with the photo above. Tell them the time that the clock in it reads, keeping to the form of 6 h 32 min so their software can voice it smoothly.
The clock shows 8 h 24 min
